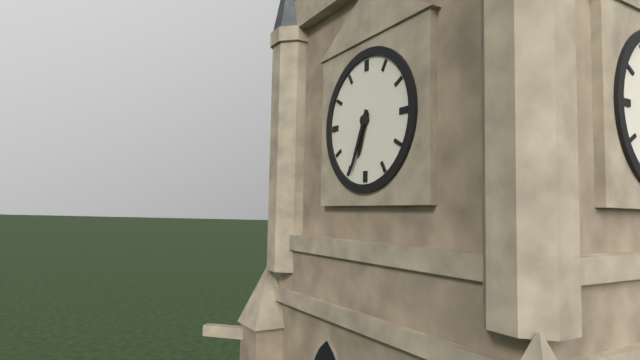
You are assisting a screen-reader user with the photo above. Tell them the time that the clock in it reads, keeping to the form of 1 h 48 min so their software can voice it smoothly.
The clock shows 6 h 34 min
